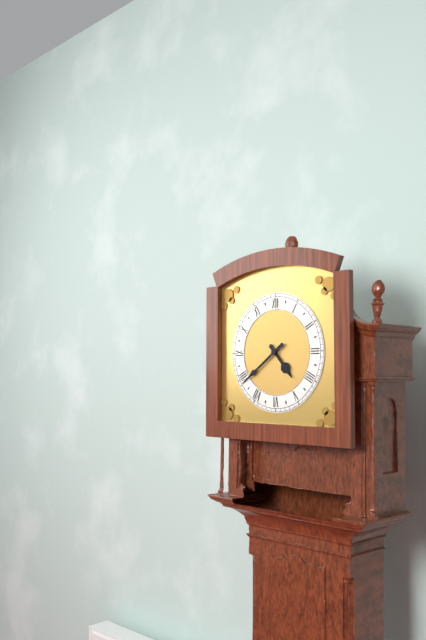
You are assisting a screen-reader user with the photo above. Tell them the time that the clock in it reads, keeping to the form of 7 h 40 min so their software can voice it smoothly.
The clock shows 4 h 39 min
